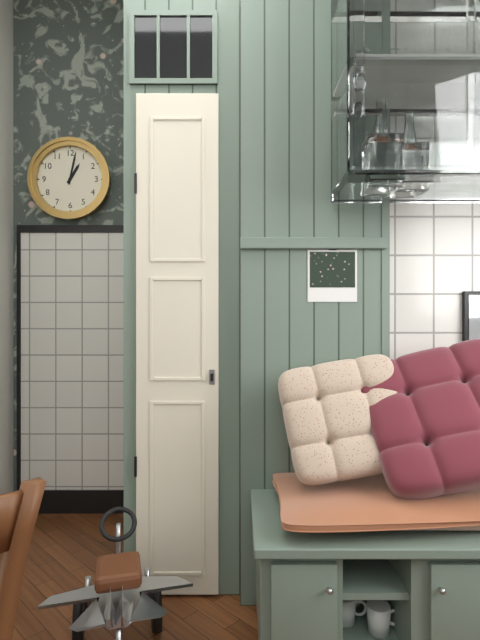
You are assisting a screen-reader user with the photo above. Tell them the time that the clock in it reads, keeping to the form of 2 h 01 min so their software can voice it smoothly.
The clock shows 1 h 02 min
